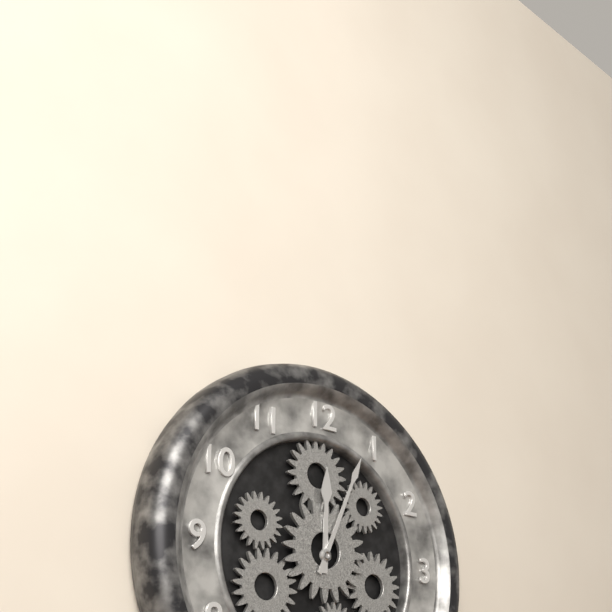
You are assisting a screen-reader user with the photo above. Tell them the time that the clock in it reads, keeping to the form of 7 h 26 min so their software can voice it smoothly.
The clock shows 12 h 04 min
